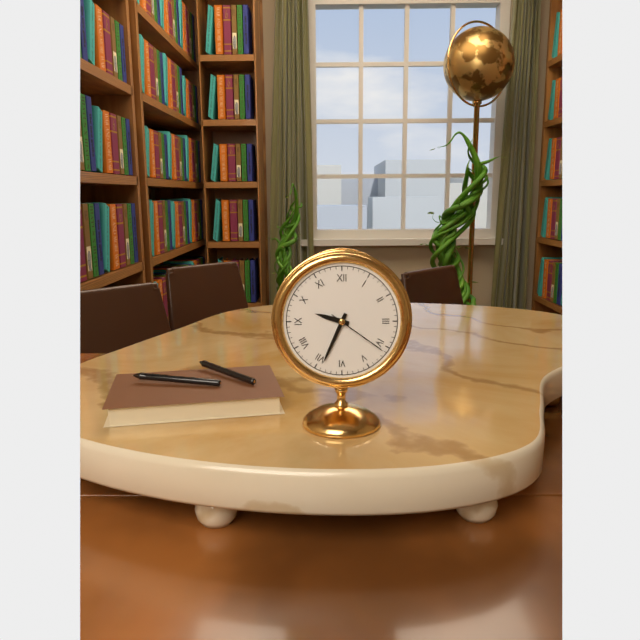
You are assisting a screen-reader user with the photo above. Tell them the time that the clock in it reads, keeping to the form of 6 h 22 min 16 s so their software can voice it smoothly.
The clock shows 9 h 34 min 21 s
